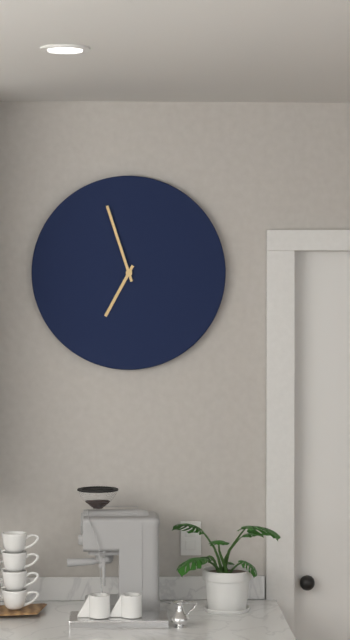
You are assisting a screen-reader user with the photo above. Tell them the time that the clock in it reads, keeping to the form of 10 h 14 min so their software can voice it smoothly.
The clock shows 6 h 57 min
